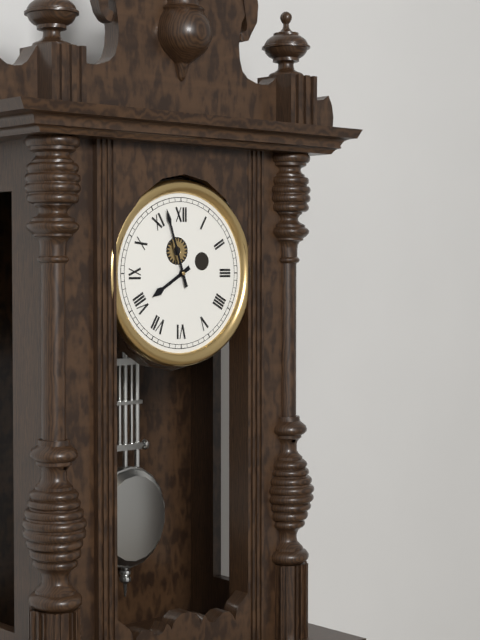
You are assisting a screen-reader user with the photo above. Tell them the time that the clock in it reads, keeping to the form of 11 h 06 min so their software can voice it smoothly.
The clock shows 7 h 57 min
